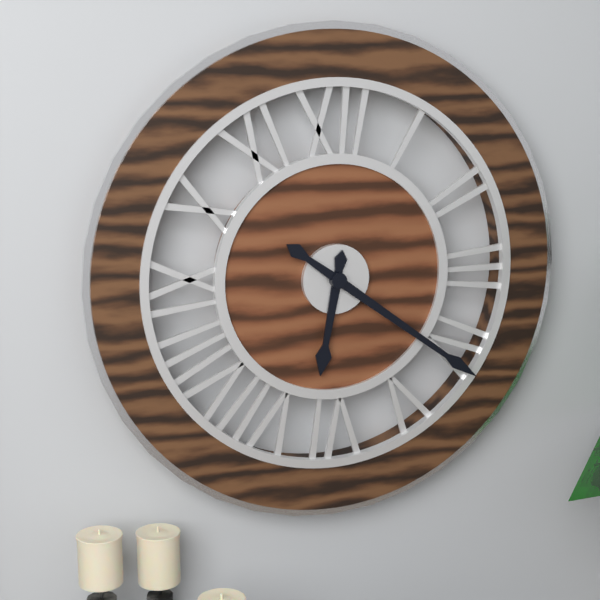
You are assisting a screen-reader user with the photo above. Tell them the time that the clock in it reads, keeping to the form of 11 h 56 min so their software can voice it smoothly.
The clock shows 6 h 21 min
